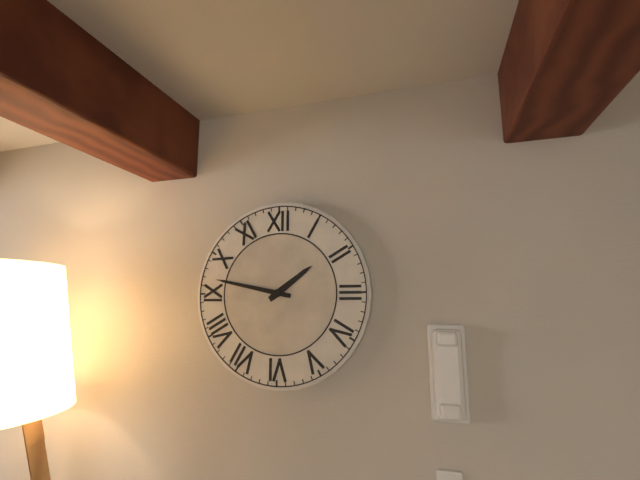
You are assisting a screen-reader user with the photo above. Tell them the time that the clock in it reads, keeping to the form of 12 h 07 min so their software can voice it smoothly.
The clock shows 1 h 47 min
